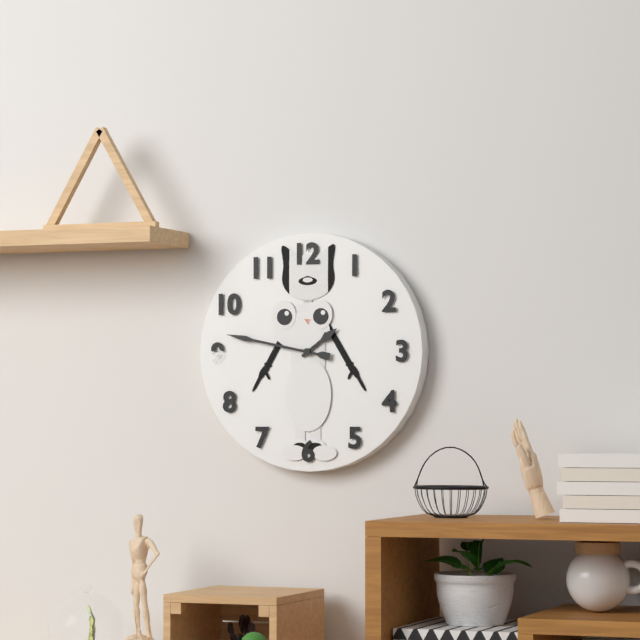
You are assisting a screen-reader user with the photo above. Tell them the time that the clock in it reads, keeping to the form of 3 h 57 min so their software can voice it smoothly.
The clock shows 1 h 47 min
